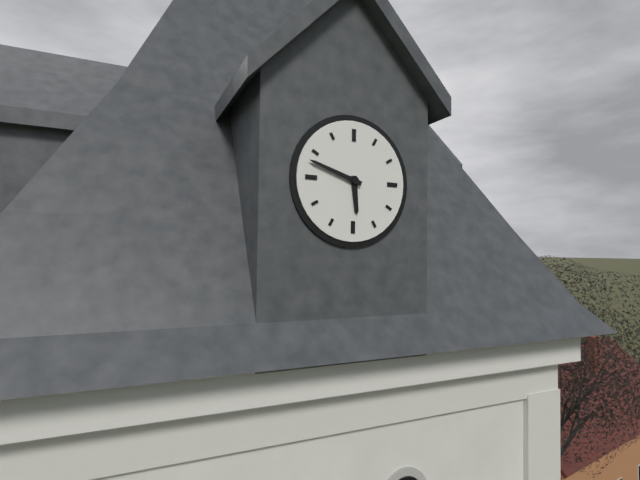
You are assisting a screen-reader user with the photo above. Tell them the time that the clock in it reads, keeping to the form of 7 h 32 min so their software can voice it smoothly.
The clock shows 5 h 48 min
